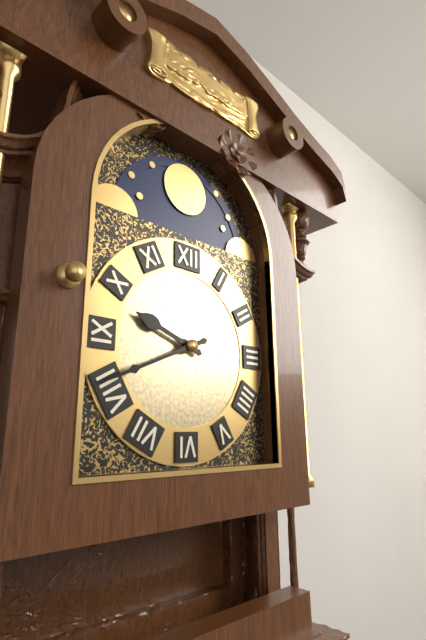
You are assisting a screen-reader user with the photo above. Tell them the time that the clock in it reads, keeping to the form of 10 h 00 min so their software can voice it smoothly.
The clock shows 9 h 41 min
